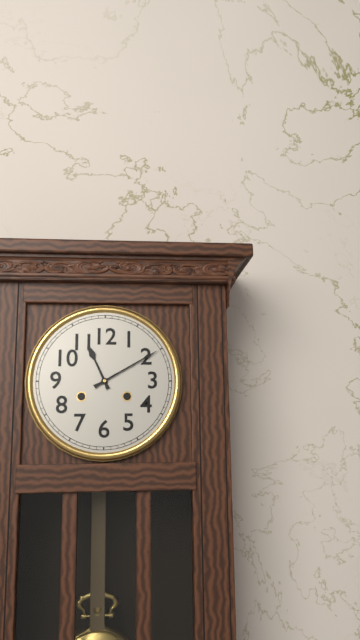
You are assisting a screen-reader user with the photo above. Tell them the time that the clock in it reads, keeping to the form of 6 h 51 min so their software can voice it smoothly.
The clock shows 11 h 10 min
